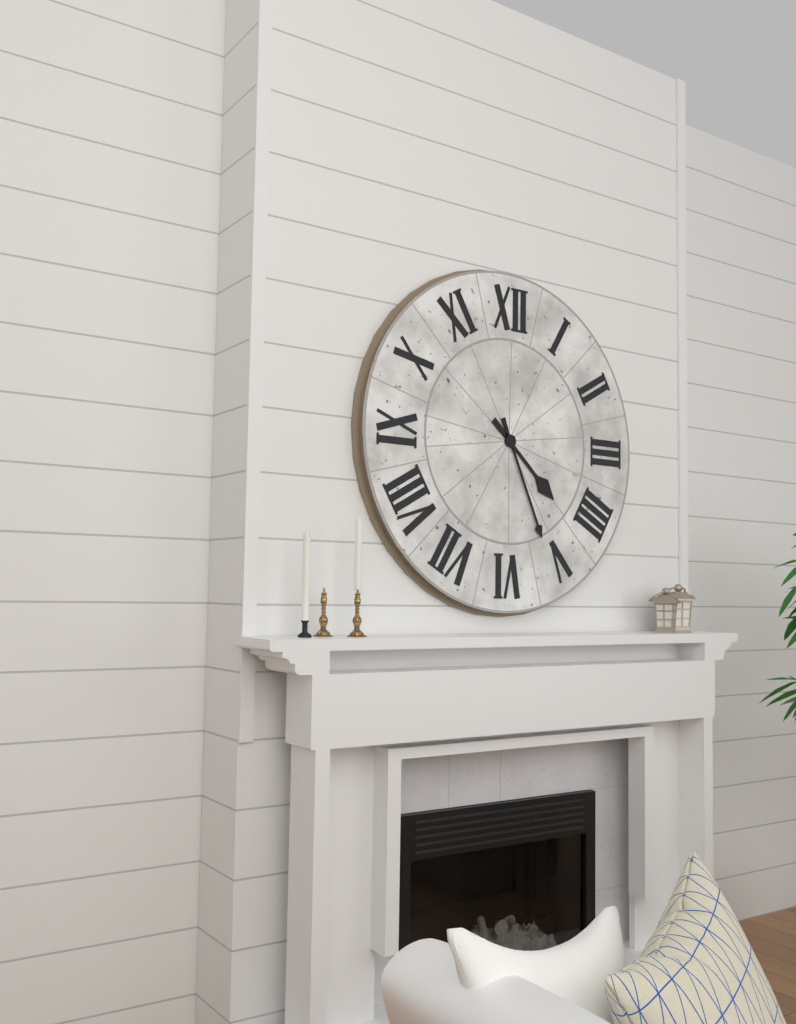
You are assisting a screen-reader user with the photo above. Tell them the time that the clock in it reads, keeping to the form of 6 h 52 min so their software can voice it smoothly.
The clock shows 4 h 26 min
